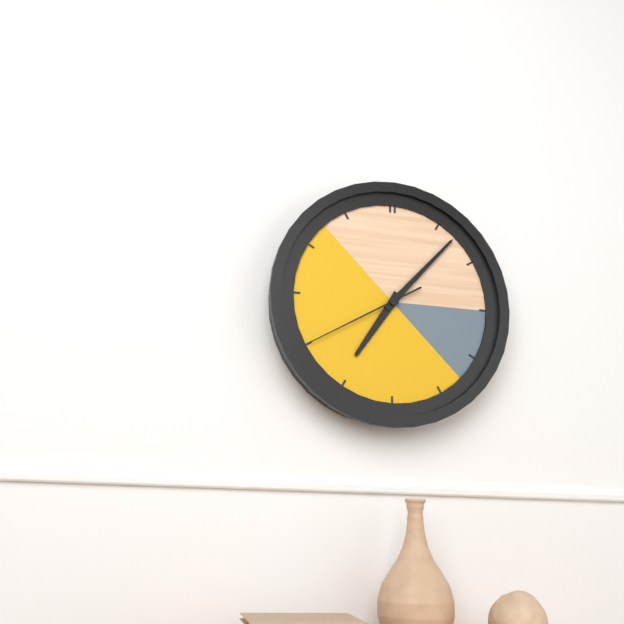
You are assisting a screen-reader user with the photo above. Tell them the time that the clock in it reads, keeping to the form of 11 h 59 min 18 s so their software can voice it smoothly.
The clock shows 7 h 07 min 40 s
